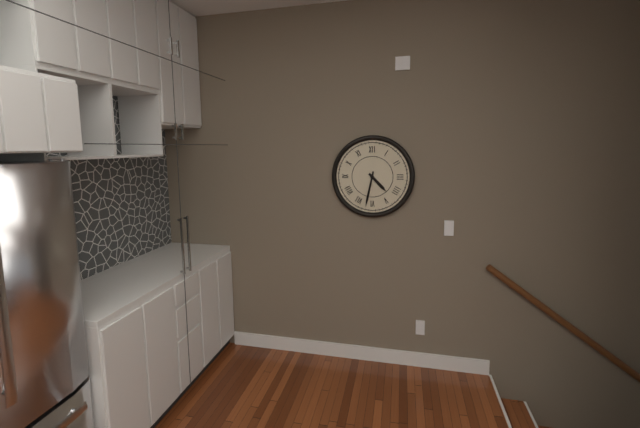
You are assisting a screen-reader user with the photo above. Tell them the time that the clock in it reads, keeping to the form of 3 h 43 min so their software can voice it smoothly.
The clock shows 4 h 32 min
